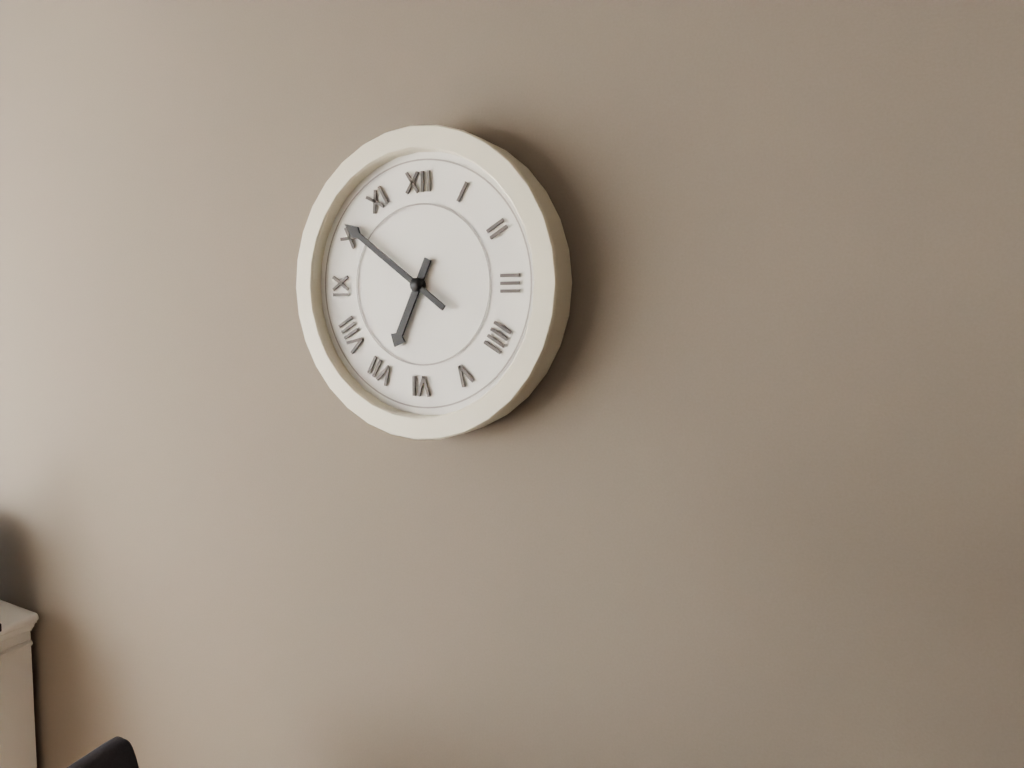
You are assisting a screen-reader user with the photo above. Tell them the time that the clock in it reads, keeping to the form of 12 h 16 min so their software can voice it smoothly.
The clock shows 6 h 51 min
